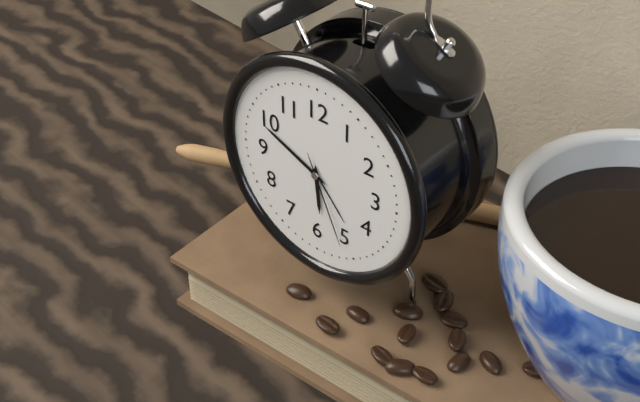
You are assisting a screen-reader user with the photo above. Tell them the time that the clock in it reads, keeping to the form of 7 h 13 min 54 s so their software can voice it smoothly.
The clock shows 5 h 49 min 26 s
